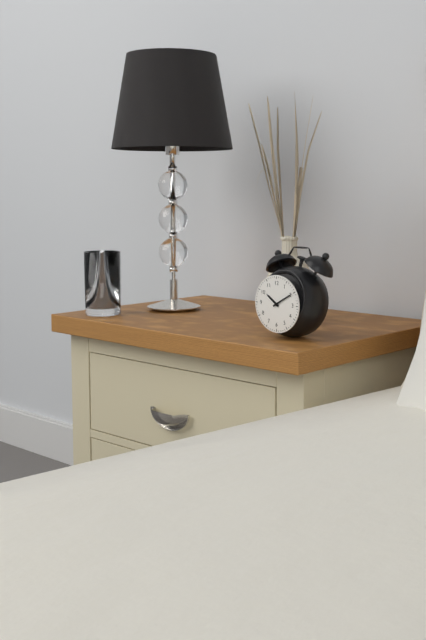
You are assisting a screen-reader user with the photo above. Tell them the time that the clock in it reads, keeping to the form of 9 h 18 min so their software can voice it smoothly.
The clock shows 10 h 10 min
